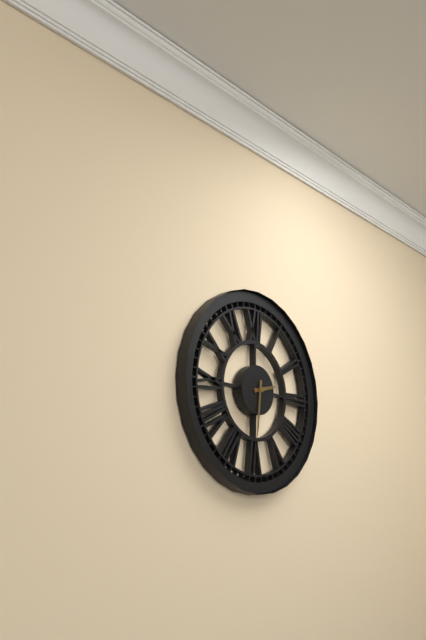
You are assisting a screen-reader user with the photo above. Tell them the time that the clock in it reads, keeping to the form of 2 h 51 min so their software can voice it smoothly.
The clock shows 2 h 31 min
